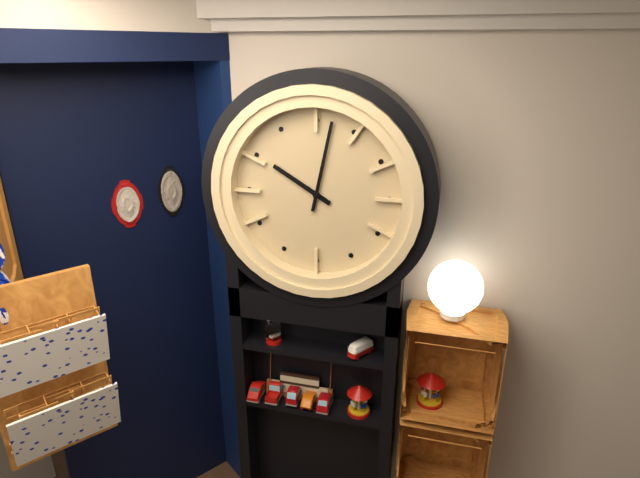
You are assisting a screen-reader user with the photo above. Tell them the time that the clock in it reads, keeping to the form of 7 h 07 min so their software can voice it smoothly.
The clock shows 10 h 02 min
